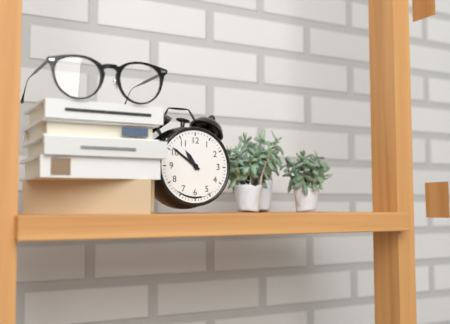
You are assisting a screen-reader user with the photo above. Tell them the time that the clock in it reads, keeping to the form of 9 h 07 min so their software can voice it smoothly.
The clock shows 10 h 51 min
